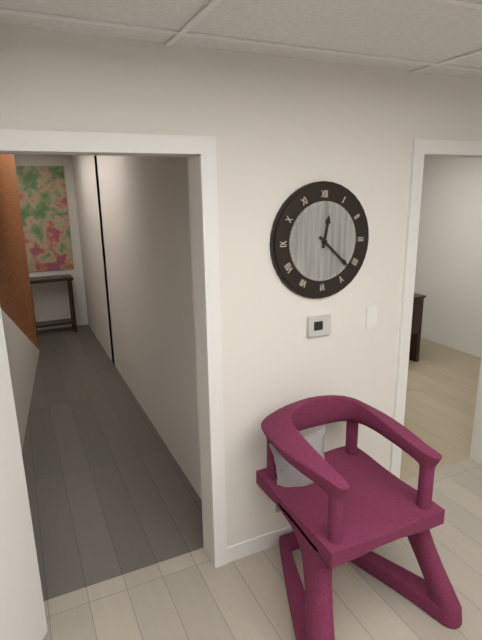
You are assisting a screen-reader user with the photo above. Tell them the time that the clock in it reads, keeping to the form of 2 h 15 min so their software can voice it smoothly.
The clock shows 12 h 22 min
